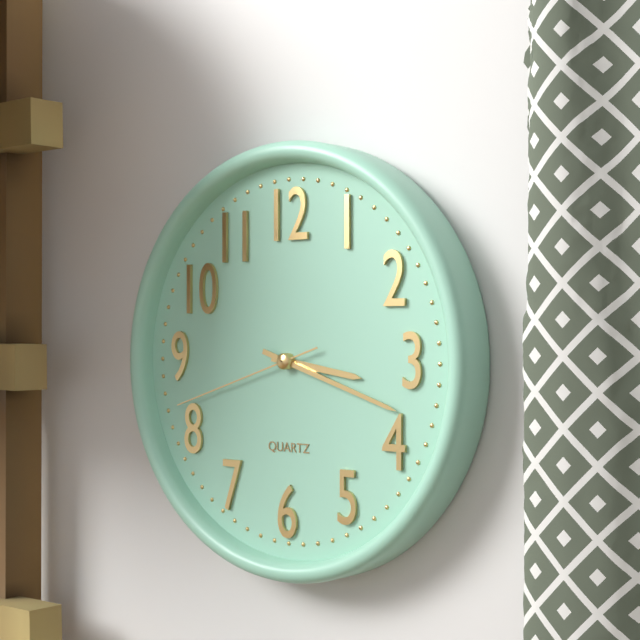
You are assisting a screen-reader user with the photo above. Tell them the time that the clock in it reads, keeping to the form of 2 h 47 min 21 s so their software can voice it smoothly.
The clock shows 3 h 18 min 42 s
